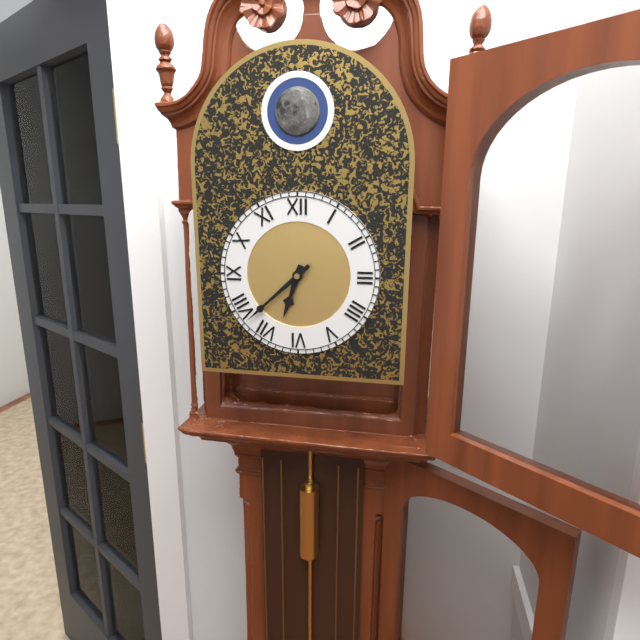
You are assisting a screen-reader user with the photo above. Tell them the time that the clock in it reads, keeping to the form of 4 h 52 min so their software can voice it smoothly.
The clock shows 6 h 38 min
